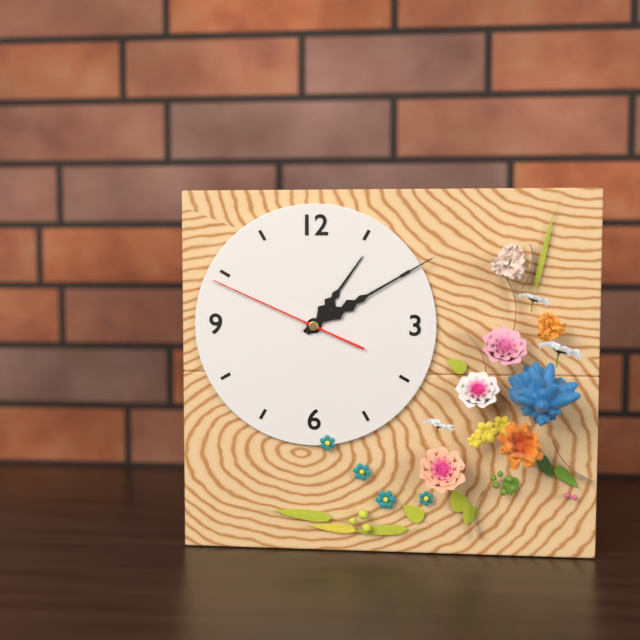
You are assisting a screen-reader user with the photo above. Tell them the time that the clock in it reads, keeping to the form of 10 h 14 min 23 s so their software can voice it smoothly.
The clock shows 1 h 10 min 49 s
